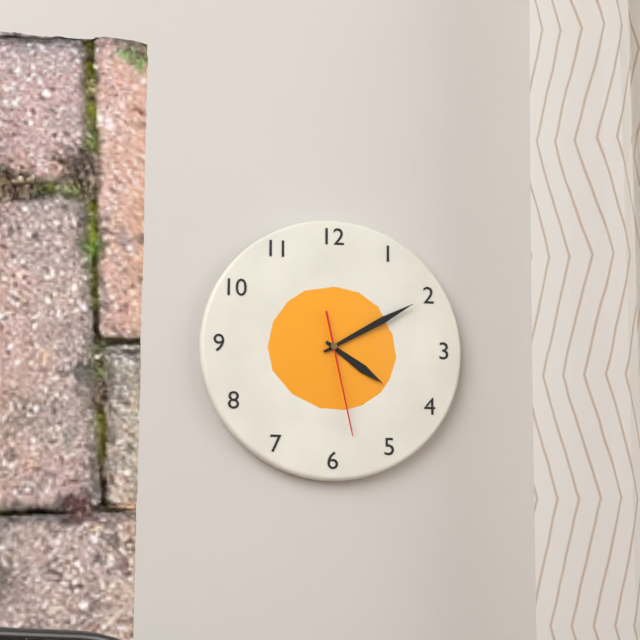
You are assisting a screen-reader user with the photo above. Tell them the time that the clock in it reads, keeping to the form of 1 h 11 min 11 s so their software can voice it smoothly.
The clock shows 4 h 10 min 28 s
